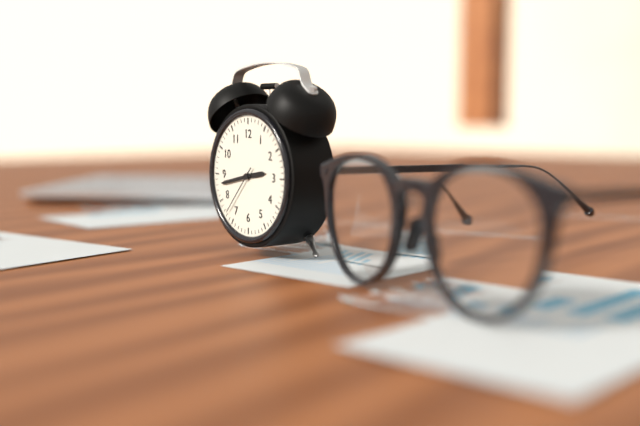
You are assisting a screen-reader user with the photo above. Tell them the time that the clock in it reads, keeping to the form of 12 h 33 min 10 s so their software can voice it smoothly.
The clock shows 2 h 43 min 37 s
